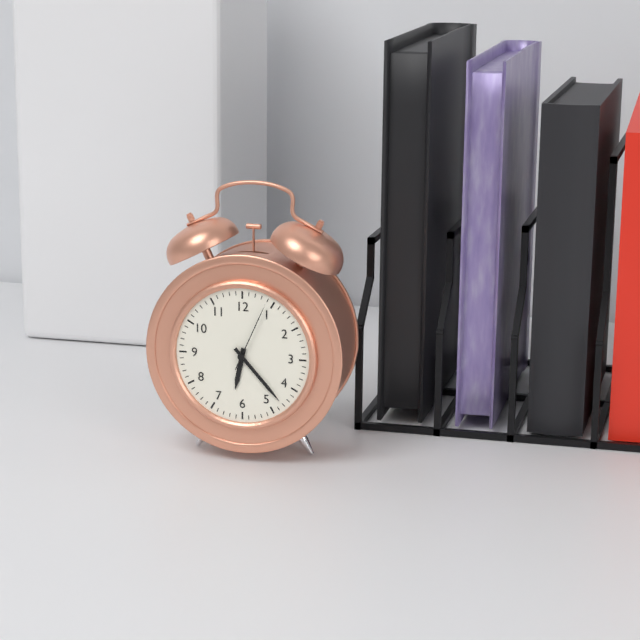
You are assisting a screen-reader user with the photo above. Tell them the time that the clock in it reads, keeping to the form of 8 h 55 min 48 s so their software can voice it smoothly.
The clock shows 6 h 23 min 04 s
